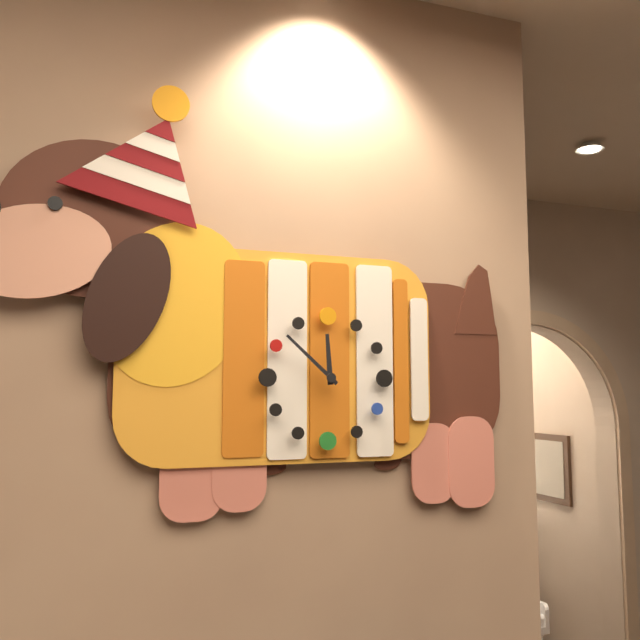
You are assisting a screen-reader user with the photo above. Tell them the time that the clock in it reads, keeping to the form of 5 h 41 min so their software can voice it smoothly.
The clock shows 11 h 52 min
